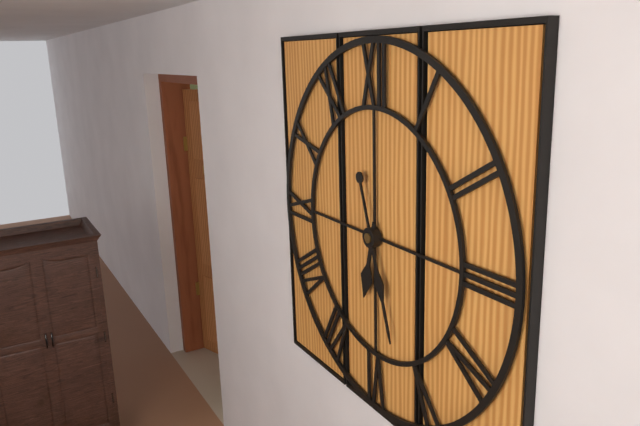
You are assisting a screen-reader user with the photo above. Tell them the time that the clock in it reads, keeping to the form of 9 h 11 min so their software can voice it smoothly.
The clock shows 6 h 27 min
